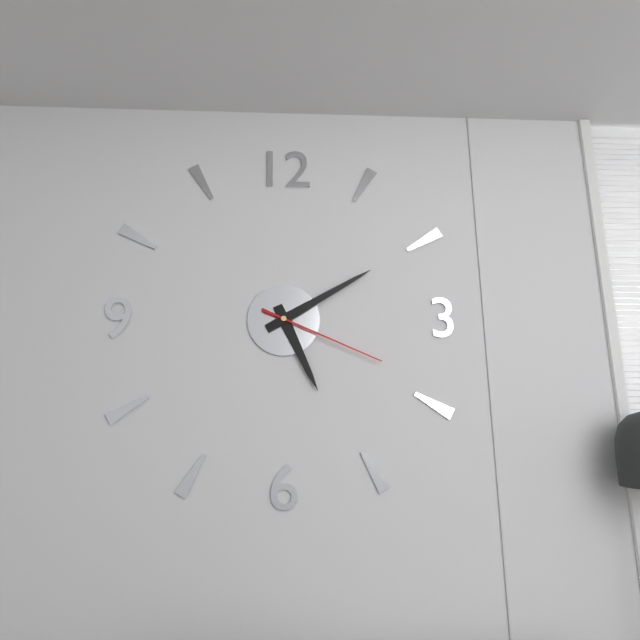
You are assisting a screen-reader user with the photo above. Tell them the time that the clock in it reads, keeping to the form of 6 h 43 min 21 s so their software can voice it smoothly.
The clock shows 5 h 10 min 19 s
